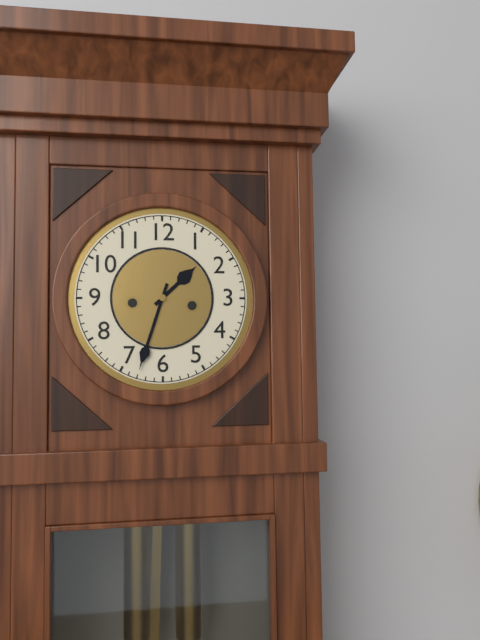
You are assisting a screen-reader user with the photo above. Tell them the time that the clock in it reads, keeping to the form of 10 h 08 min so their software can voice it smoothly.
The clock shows 1 h 33 min
